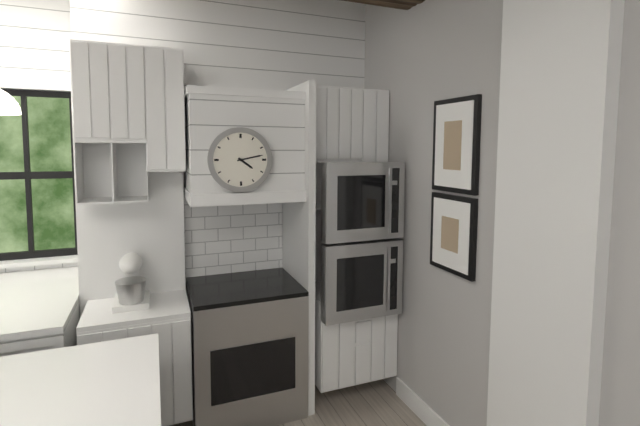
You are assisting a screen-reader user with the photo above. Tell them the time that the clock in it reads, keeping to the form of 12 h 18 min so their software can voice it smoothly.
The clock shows 4 h 13 min
